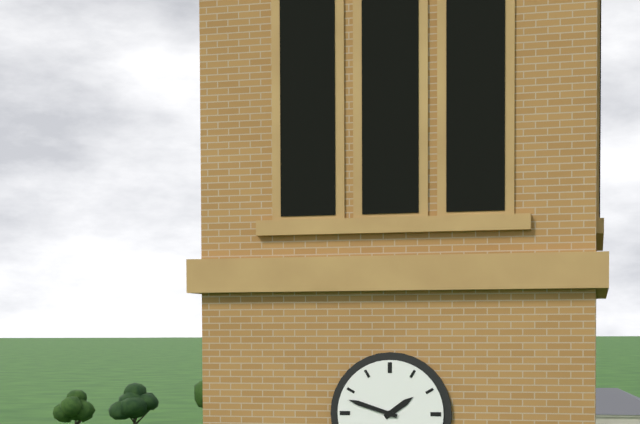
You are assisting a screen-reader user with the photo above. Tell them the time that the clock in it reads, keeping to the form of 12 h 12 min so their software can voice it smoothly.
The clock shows 1 h 48 min
